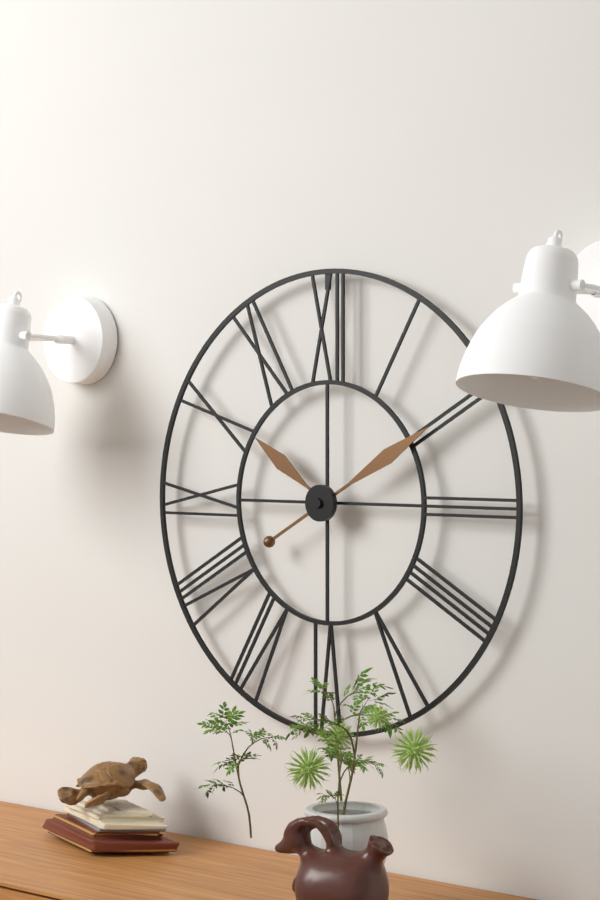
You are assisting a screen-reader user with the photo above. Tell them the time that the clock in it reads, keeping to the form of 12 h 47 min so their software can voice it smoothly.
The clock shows 10 h 10 min
